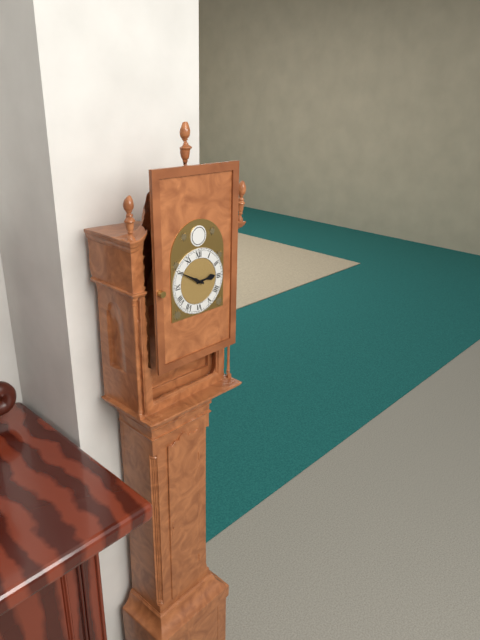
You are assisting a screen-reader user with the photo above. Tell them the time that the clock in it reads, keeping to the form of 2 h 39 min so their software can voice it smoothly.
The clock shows 2 h 50 min
